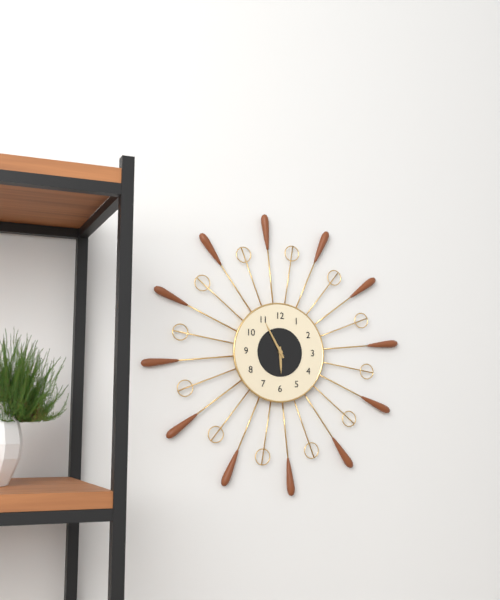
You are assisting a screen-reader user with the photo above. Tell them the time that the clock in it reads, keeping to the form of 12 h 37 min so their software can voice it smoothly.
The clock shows 5 h 55 min
